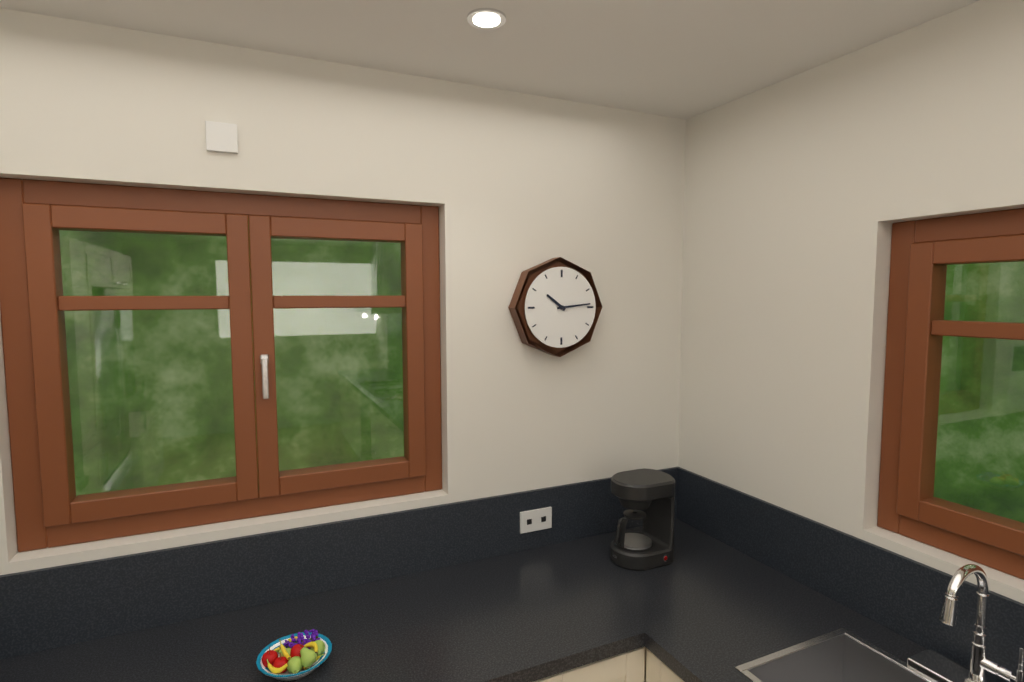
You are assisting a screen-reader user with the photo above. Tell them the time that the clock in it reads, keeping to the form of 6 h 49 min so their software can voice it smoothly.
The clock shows 10 h 14 min
